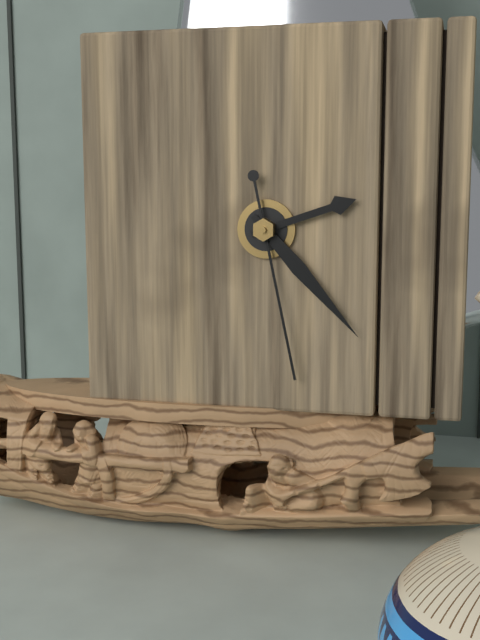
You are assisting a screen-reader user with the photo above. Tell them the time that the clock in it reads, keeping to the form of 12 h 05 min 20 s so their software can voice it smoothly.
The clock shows 2 h 23 min 28 s
